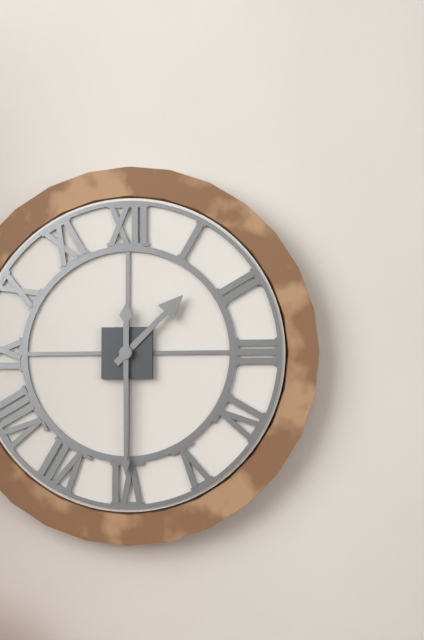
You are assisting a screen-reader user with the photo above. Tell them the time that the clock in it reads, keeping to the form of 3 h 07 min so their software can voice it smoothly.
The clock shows 1 h 30 min
